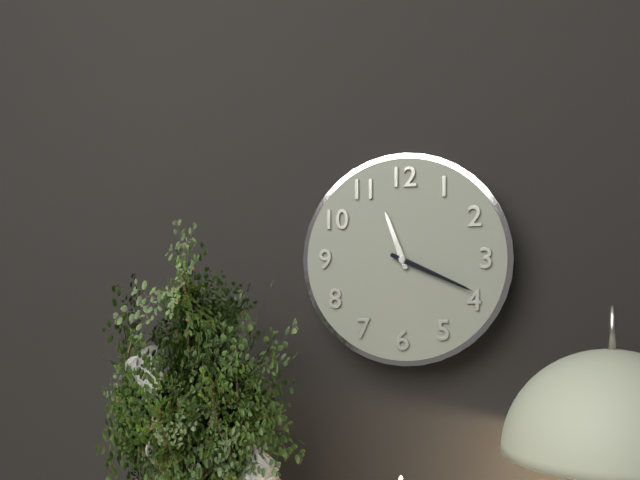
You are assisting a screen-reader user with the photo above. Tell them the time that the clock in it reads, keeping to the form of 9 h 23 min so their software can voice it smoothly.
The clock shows 11 h 19 min
